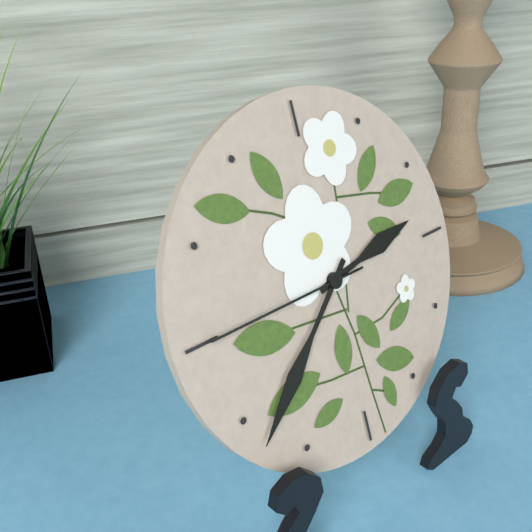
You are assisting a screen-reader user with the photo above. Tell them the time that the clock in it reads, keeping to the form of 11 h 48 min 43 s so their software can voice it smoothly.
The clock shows 2 h 38 min 45 s
